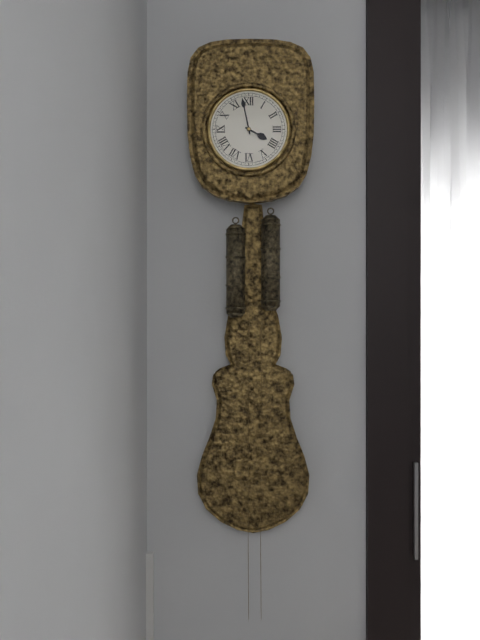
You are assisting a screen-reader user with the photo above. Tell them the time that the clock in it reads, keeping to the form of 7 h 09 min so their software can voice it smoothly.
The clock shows 3 h 58 min
